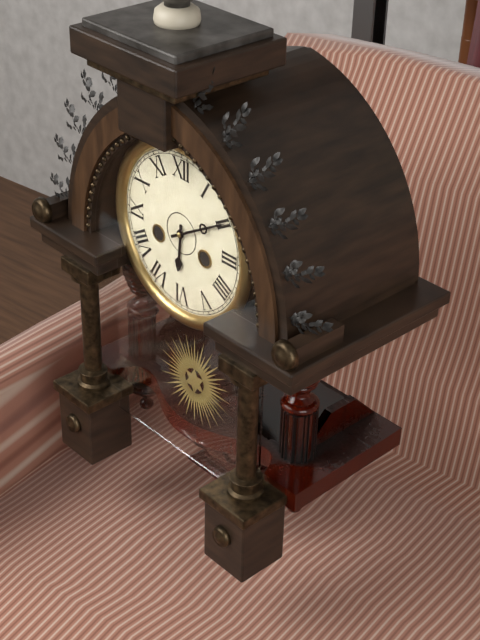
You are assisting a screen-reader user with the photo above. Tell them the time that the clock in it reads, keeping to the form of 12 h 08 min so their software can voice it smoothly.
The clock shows 6 h 10 min
